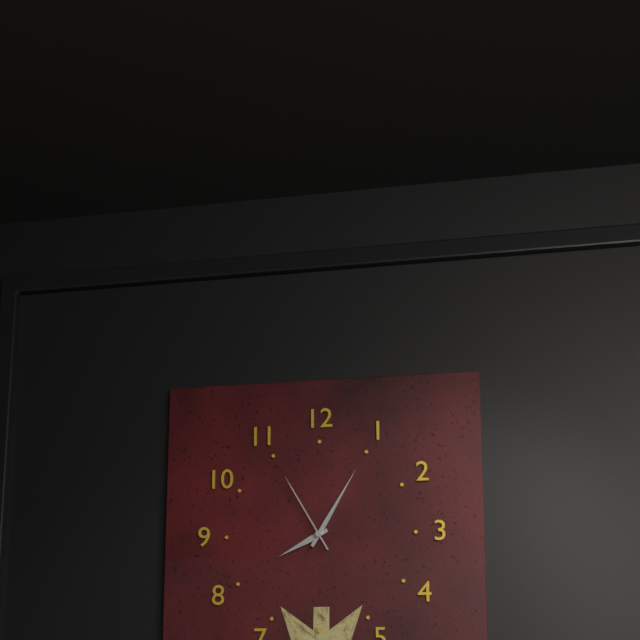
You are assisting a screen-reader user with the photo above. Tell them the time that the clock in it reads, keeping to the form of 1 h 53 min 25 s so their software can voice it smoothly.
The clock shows 8 h 05 min 55 s
